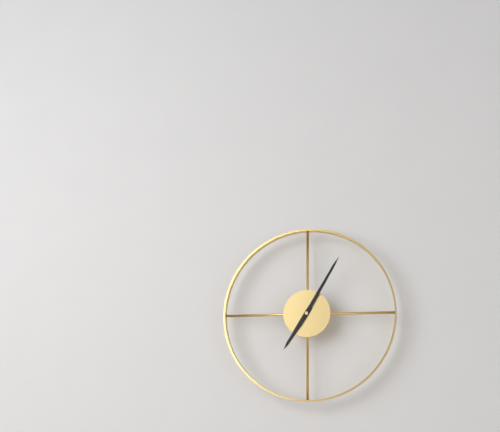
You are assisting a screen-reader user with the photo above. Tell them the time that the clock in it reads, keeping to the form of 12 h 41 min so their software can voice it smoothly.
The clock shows 7 h 05 min
